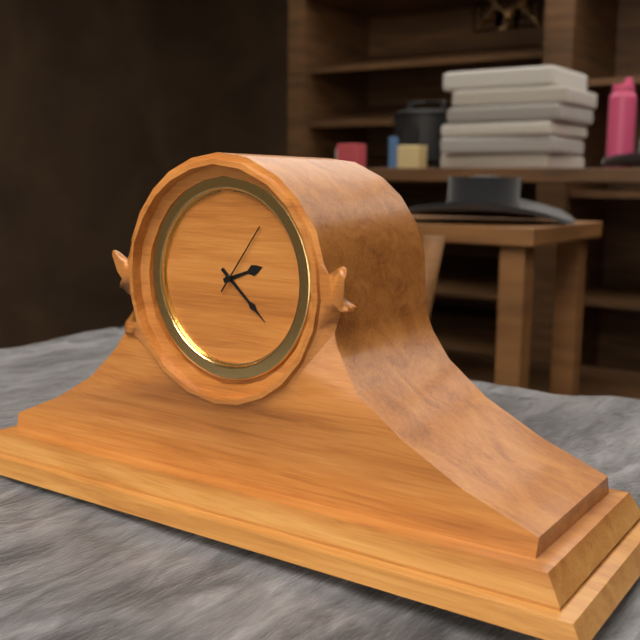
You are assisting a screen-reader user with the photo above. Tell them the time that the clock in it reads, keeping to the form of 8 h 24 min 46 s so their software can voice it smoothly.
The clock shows 2 h 22 min 06 s
